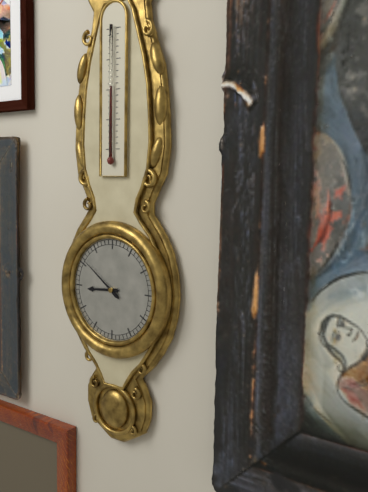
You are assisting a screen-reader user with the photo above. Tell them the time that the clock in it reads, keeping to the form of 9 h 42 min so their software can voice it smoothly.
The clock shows 8 h 51 min
